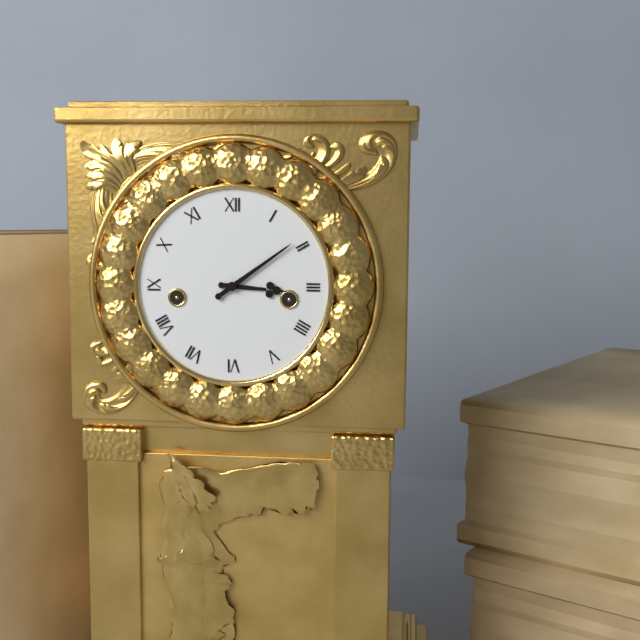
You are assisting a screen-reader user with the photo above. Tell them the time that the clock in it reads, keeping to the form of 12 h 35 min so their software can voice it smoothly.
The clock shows 3 h 09 min
